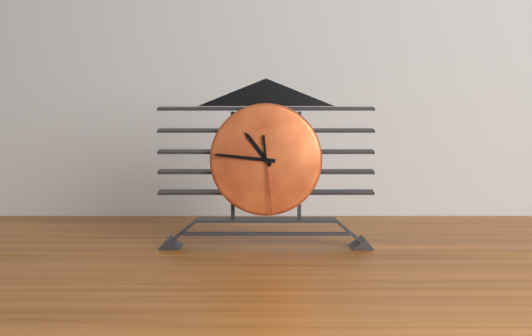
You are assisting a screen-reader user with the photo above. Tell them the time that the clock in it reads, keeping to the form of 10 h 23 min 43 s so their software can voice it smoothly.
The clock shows 10 h 46 min 29 s
